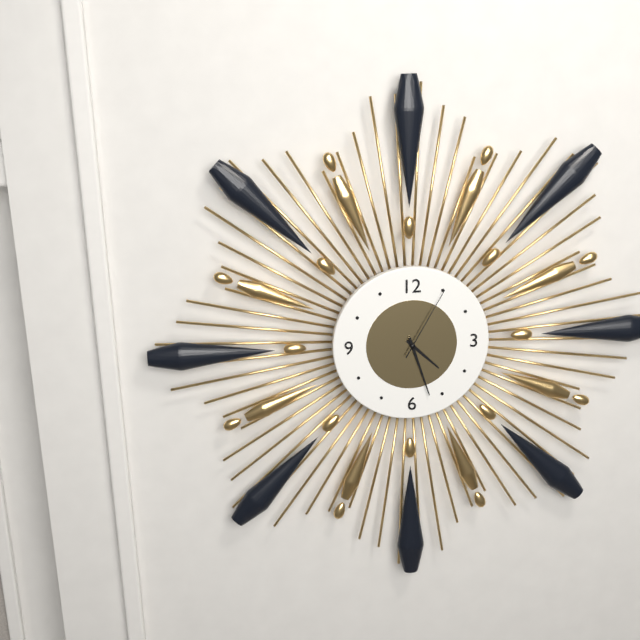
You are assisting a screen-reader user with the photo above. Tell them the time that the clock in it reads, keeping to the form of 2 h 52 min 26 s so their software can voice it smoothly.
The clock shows 4 h 27 min 05 s
